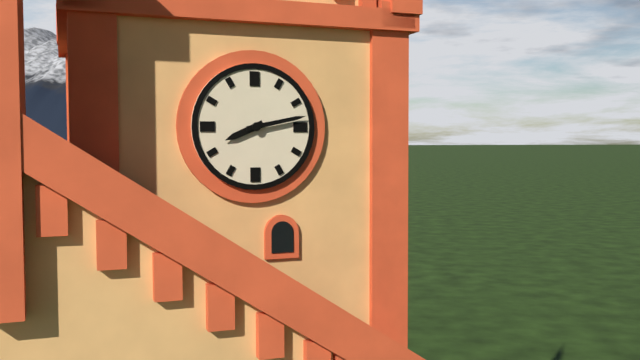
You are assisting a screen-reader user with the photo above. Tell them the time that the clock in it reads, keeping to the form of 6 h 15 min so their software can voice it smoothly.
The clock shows 8 h 13 min
